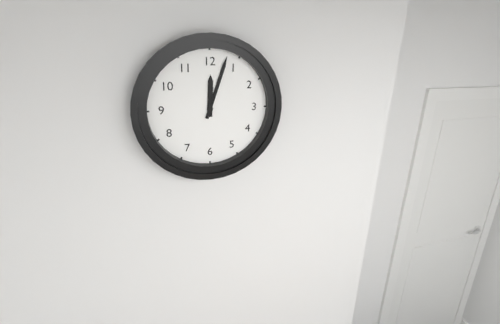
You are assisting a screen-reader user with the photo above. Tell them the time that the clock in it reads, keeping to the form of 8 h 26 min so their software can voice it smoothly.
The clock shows 12 h 03 min
